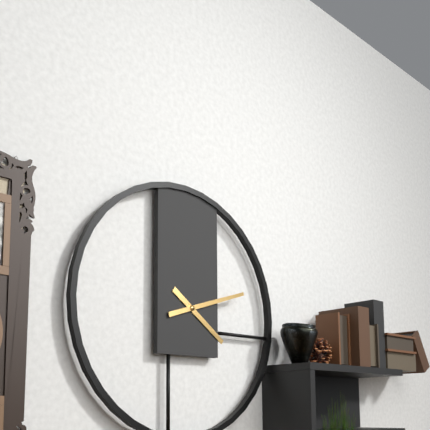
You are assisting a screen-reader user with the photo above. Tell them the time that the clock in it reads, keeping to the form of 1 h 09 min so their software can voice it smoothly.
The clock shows 4 h 12 min
